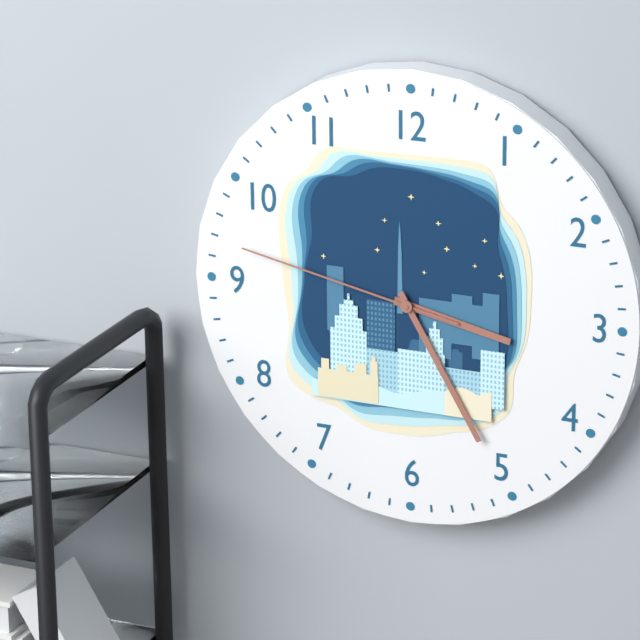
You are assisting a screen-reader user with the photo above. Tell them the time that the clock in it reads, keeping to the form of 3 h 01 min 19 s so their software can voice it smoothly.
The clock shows 3 h 25 min 47 s
